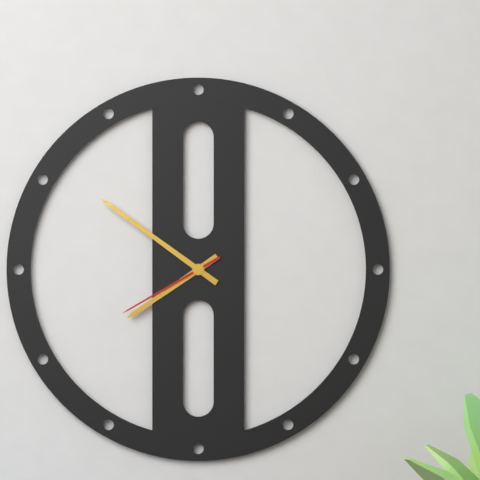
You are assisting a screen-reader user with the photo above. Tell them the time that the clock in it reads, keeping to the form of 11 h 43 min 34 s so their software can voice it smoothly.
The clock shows 7 h 51 min 40 s
